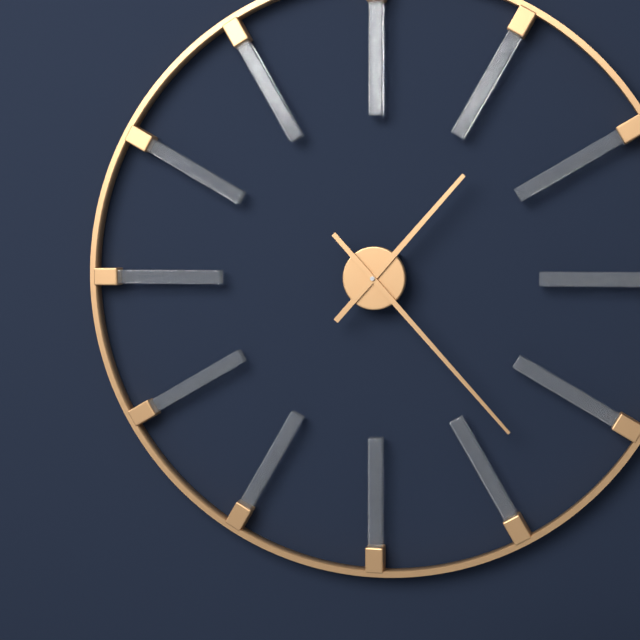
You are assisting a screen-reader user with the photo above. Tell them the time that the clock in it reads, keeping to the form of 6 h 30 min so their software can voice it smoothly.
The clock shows 1 h 23 min
